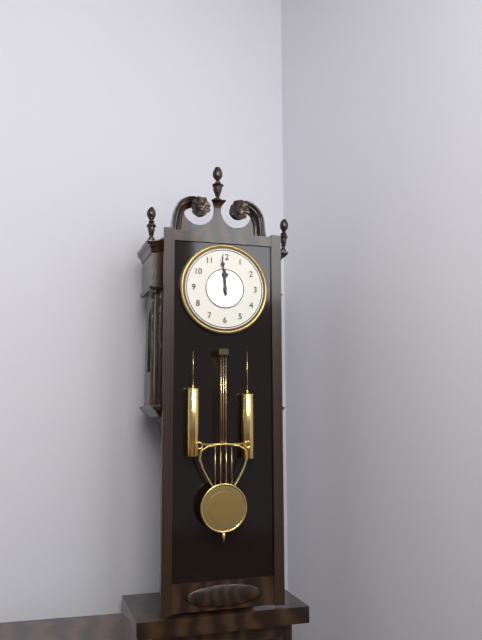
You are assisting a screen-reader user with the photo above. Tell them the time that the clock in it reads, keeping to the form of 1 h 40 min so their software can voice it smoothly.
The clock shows 11 h 59 min
